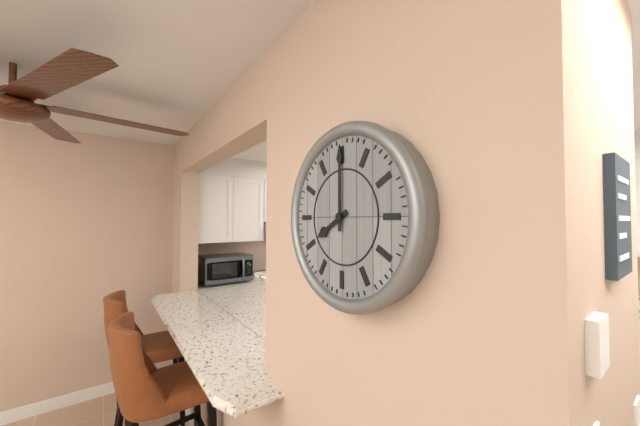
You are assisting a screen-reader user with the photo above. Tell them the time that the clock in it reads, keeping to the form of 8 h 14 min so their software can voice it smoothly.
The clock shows 8 h 00 min
